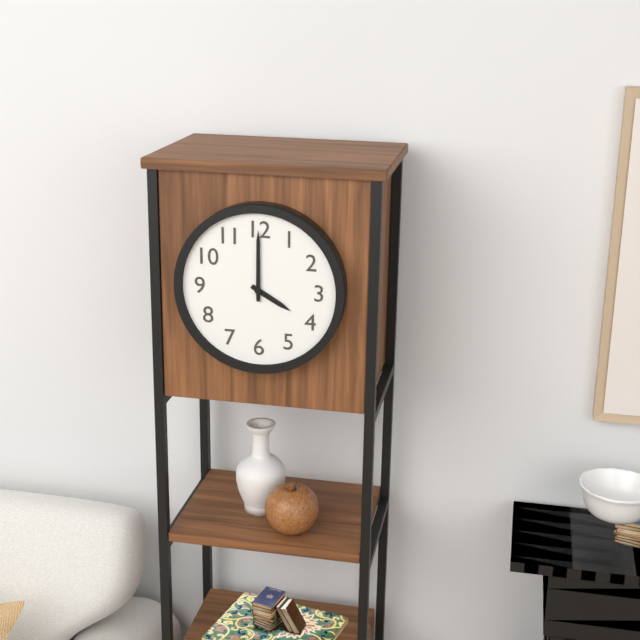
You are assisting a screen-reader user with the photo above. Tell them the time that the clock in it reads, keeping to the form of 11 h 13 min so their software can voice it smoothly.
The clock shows 4 h 00 min
